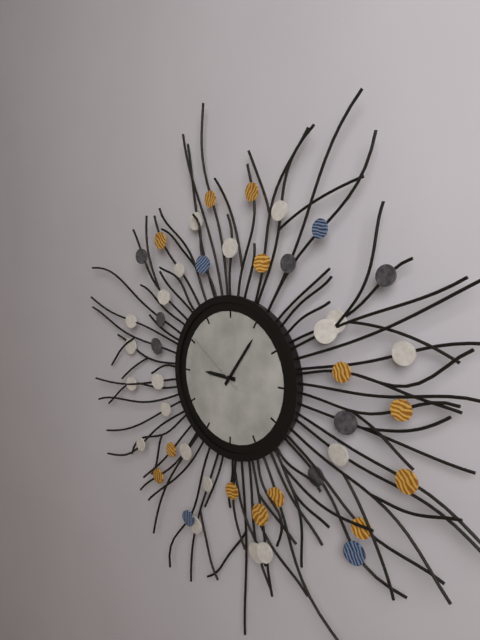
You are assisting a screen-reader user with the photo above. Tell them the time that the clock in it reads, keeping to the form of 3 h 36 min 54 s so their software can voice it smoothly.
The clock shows 9 h 06 min 51 s
